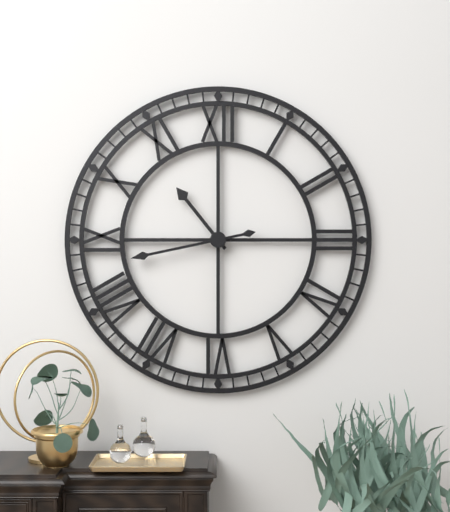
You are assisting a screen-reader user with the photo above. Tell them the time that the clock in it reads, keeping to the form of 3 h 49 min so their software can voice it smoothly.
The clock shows 10 h 43 min
